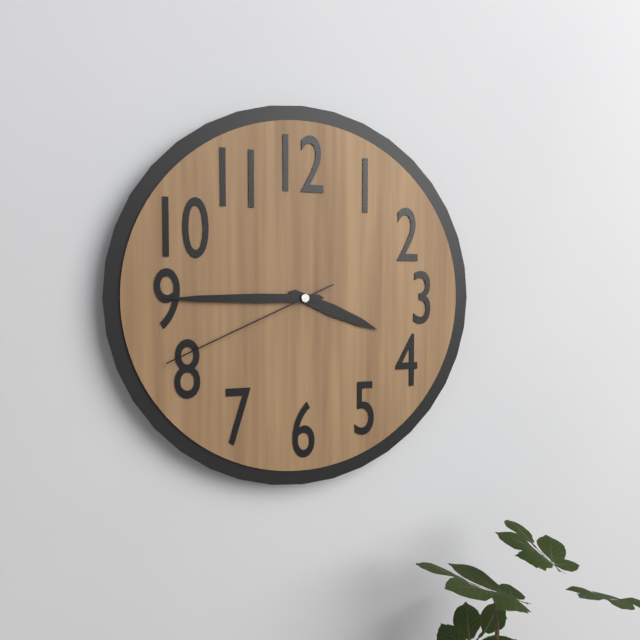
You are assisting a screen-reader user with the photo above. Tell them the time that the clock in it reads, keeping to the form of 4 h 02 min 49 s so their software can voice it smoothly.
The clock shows 3 h 45 min 41 s
